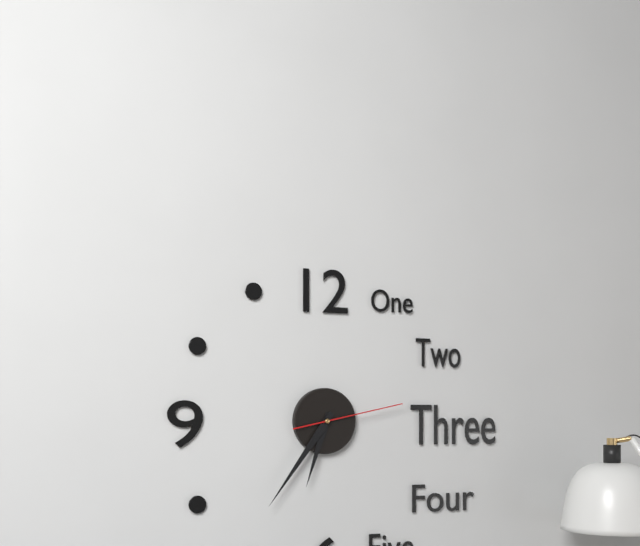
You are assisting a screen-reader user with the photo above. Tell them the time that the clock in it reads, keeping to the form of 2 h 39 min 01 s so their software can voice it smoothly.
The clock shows 6 h 36 min 13 s
